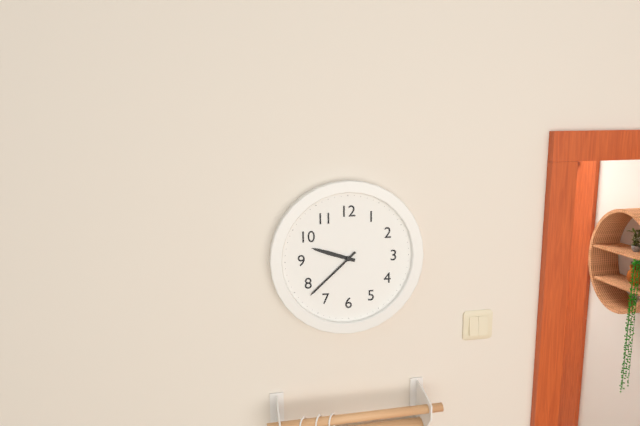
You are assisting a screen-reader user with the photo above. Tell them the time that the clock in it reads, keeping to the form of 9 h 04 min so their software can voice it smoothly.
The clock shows 9 h 38 min
